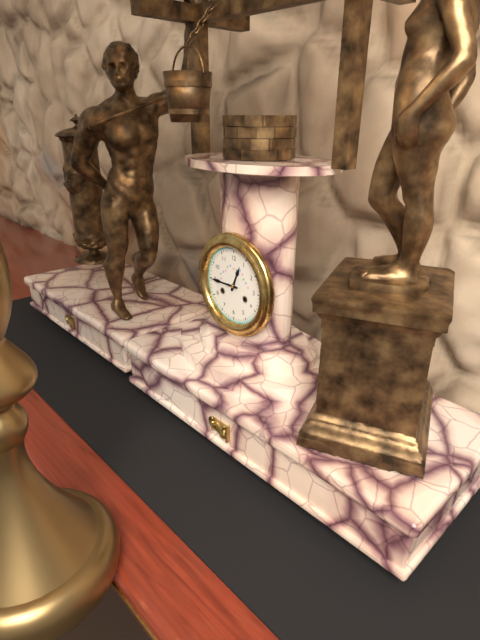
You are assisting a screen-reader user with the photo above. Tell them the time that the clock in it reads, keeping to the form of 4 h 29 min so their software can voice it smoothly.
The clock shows 12 h 45 min
